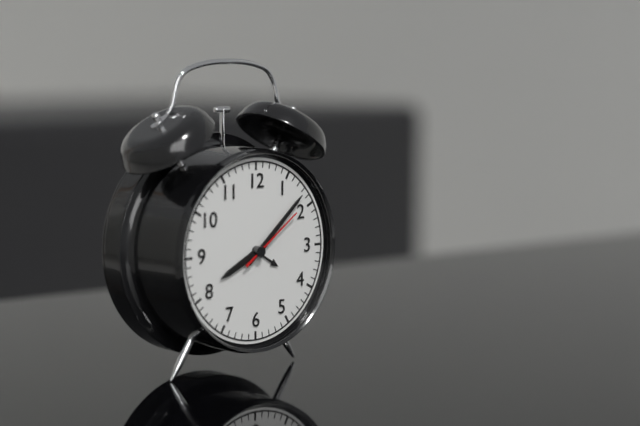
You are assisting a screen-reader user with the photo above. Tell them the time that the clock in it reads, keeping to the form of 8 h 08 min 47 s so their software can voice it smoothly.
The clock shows 8 h 08 min 09 s
